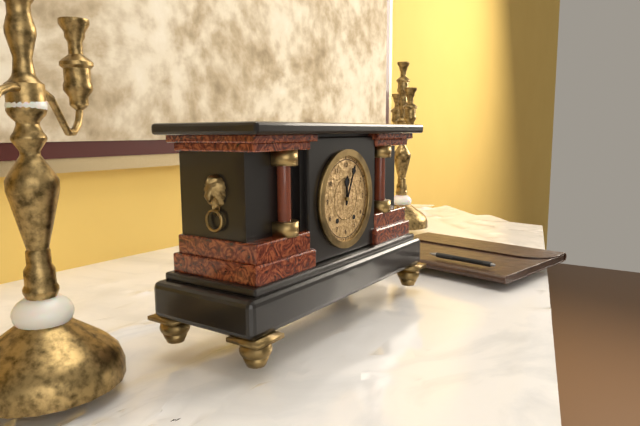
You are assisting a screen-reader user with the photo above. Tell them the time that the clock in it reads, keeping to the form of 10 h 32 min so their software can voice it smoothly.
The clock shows 12 h 04 min
